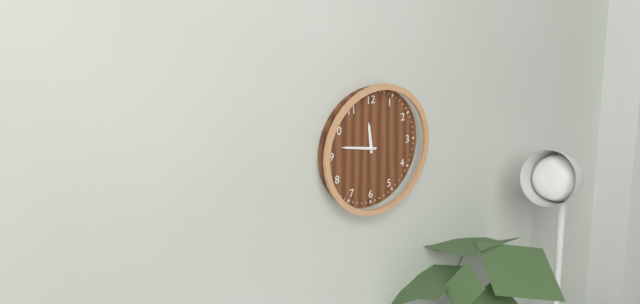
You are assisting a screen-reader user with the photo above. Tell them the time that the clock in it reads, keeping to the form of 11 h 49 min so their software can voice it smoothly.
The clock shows 11 h 47 min
